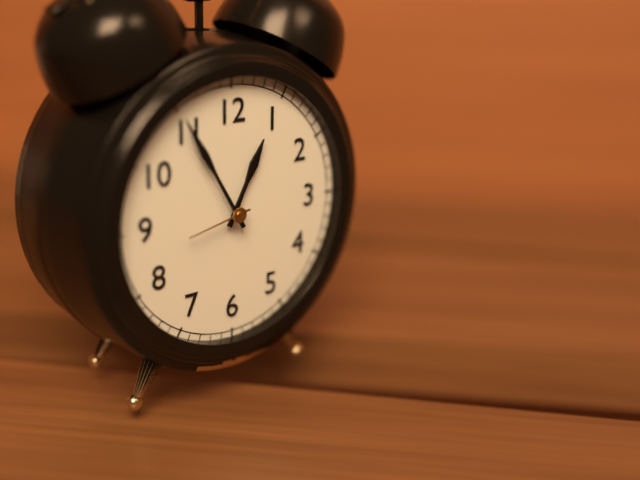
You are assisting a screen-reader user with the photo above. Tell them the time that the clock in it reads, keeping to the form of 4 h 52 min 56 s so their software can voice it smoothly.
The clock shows 12 h 55 min 43 s
